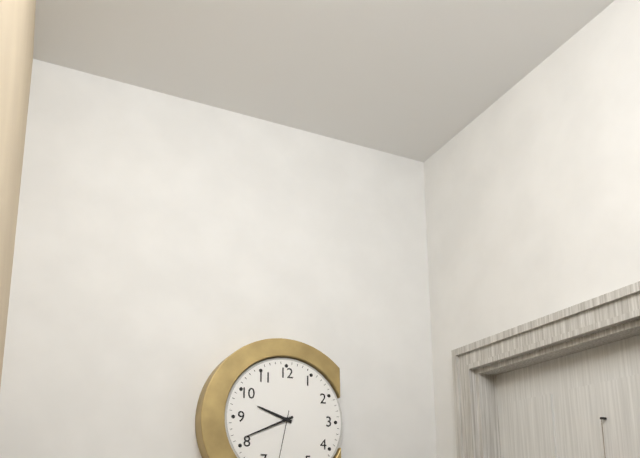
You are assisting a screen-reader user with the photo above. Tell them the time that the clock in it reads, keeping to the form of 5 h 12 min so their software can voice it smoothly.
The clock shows 9 h 41 min
